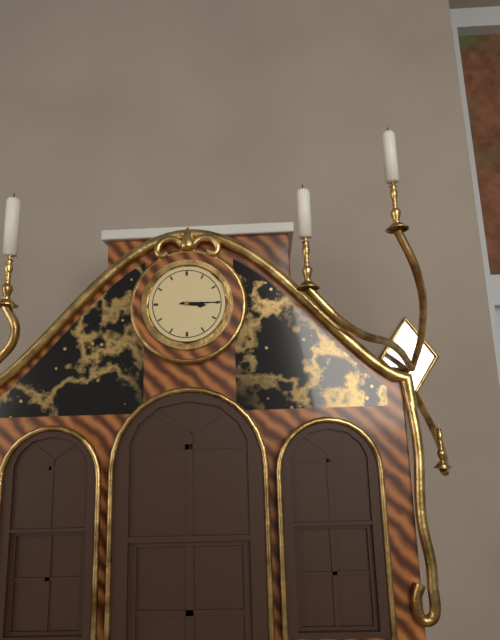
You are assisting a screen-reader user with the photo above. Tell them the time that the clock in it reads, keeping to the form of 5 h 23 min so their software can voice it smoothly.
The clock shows 3 h 15 min
